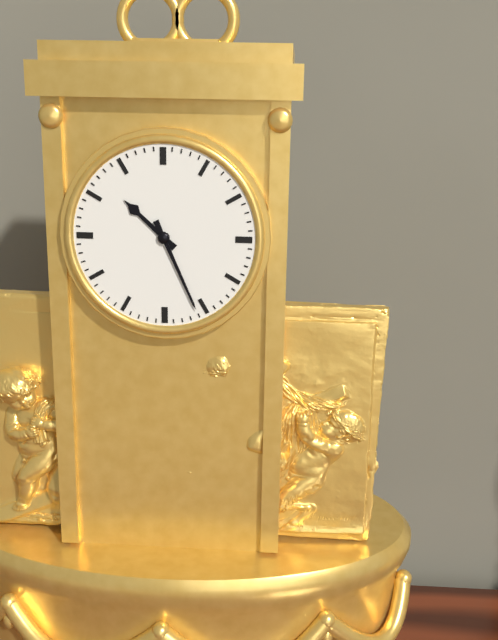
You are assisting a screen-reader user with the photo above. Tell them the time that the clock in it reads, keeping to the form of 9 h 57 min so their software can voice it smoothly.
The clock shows 10 h 26 min
